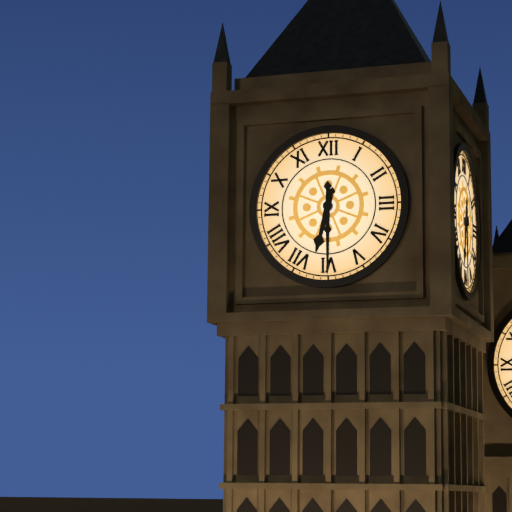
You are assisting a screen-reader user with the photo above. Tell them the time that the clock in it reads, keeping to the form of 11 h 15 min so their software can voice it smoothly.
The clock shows 6 h 30 min
